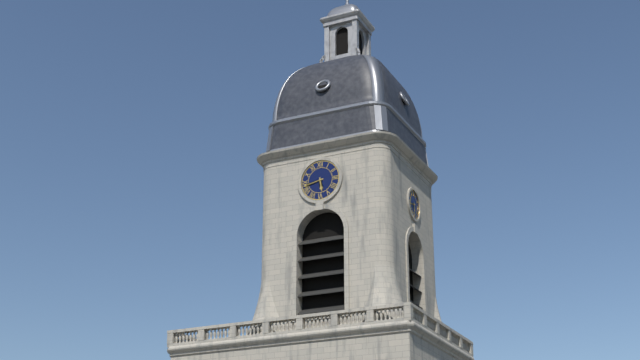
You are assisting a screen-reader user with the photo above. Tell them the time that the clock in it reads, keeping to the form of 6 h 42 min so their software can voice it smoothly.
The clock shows 5 h 43 min
